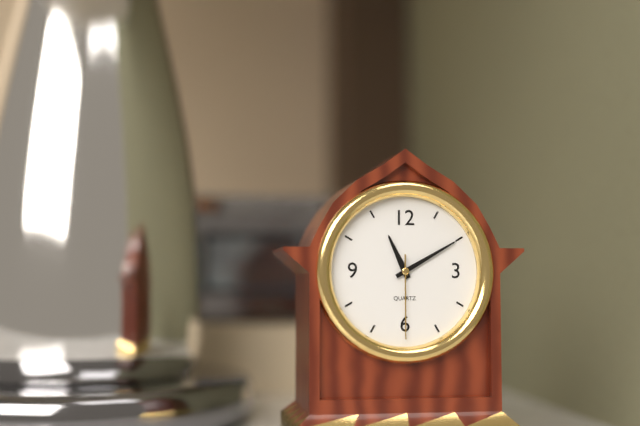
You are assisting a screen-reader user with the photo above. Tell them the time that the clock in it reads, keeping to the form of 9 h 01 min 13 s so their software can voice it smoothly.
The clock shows 11 h 10 min 30 s
